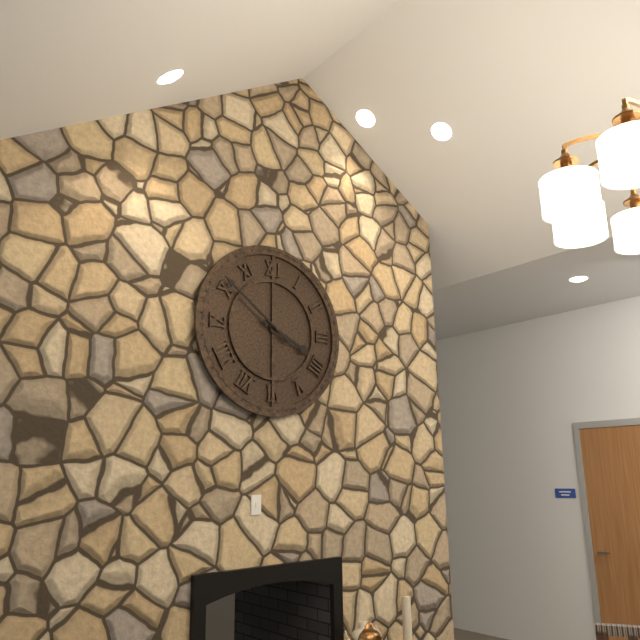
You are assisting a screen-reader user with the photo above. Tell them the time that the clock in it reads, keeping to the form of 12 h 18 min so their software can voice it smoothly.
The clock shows 3 h 51 min
